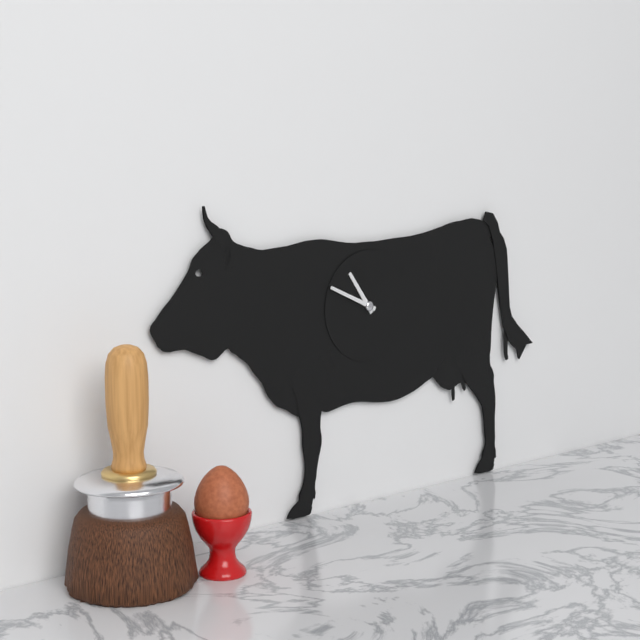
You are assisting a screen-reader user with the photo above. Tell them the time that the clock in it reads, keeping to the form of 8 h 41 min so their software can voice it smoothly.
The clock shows 10 h 49 min
